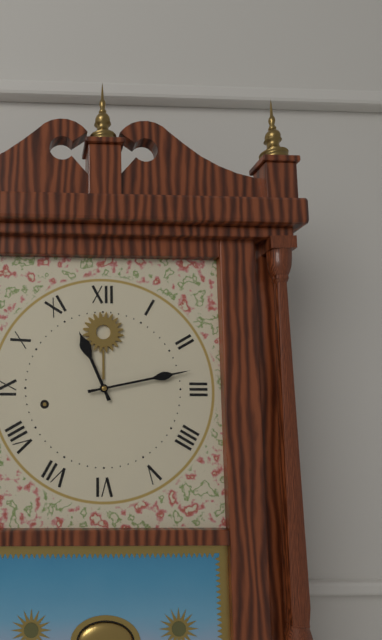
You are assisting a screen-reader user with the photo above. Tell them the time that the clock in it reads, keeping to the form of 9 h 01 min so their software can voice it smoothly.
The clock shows 11 h 13 min
